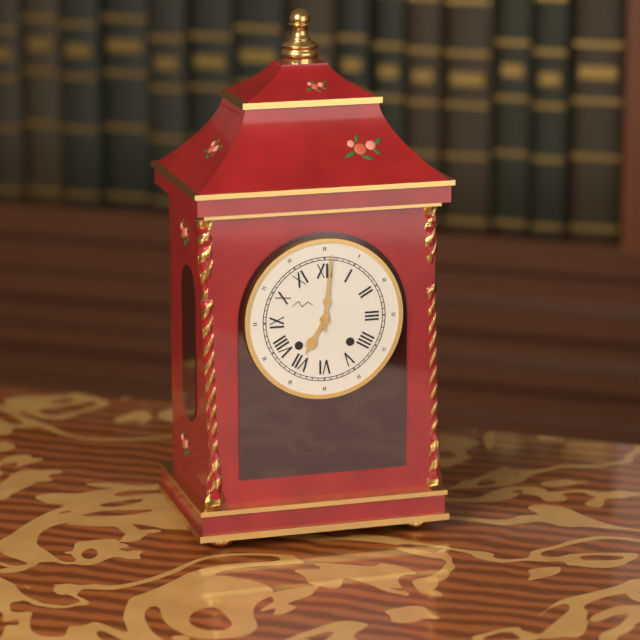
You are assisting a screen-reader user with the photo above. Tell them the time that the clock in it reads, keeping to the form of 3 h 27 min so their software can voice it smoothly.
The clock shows 7 h 01 min
